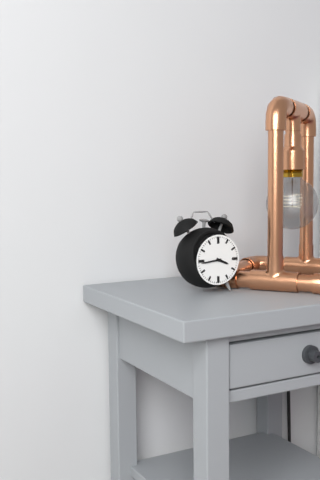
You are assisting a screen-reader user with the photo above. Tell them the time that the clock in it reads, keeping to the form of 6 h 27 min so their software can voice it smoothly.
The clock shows 3 h 44 min
